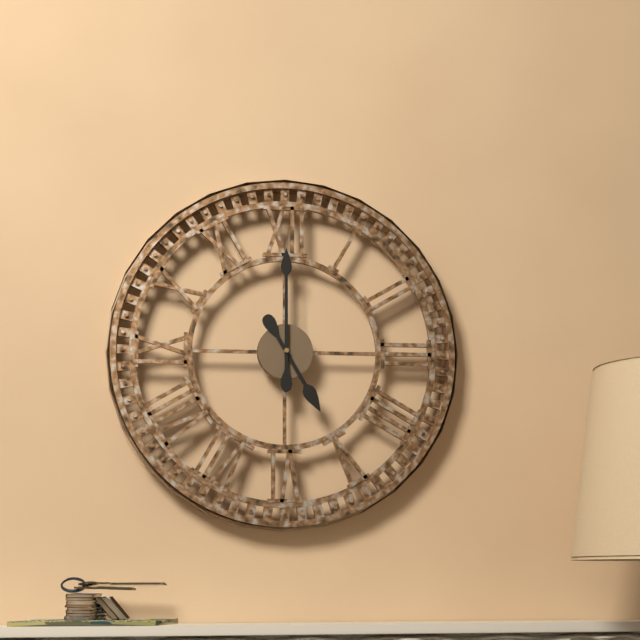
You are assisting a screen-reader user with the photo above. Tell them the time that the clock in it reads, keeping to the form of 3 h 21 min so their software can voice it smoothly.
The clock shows 5 h 00 min
